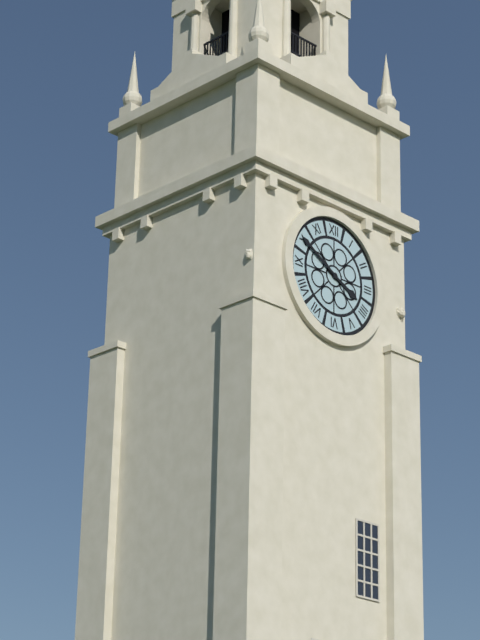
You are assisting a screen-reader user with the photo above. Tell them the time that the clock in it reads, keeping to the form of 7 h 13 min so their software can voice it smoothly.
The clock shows 3 h 50 min
